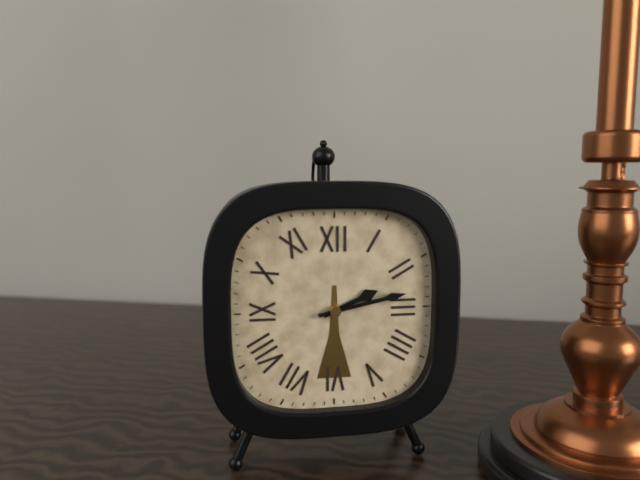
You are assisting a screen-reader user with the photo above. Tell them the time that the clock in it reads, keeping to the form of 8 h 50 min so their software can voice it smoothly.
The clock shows 2 h 13 min
